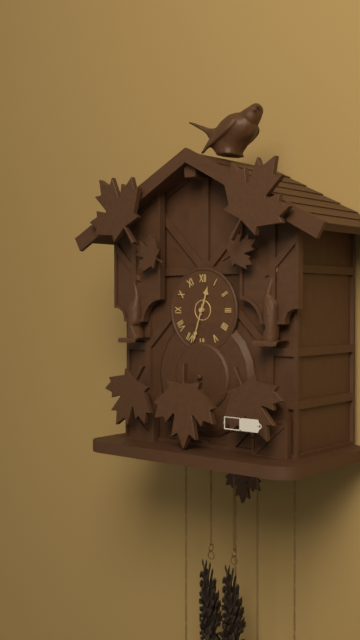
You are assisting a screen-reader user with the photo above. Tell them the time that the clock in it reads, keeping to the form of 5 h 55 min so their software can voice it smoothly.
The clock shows 12 h 33 min
